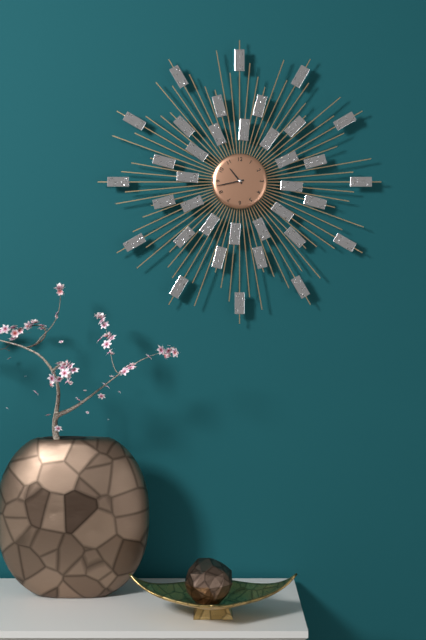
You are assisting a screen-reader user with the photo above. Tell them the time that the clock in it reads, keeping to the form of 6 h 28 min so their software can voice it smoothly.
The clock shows 10 h 43 min
